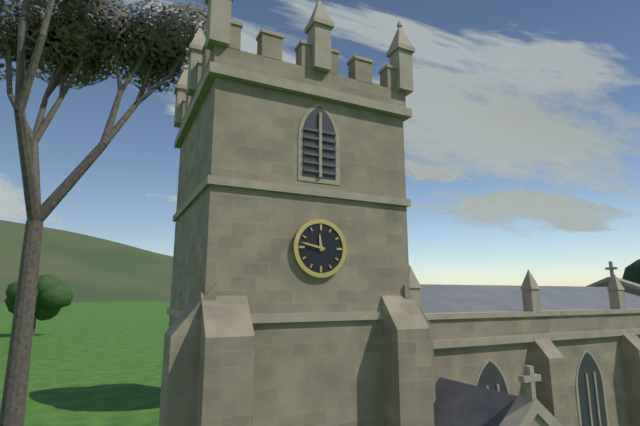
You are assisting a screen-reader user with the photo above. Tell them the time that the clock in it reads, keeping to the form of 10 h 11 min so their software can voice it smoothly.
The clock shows 11 h 47 min
